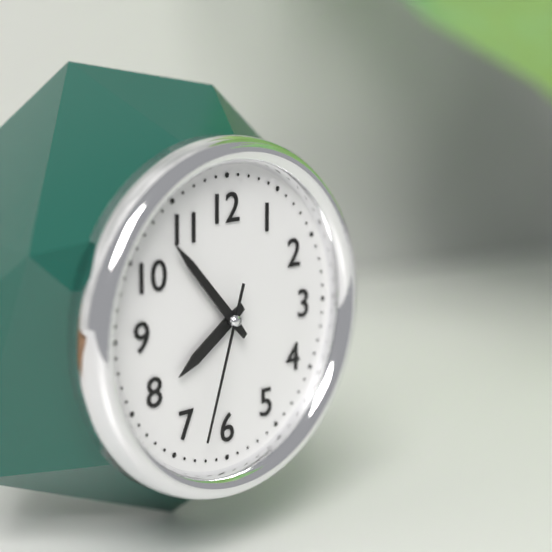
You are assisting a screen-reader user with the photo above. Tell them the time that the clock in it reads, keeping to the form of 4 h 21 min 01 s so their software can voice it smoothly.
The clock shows 7 h 53 min 33 s
